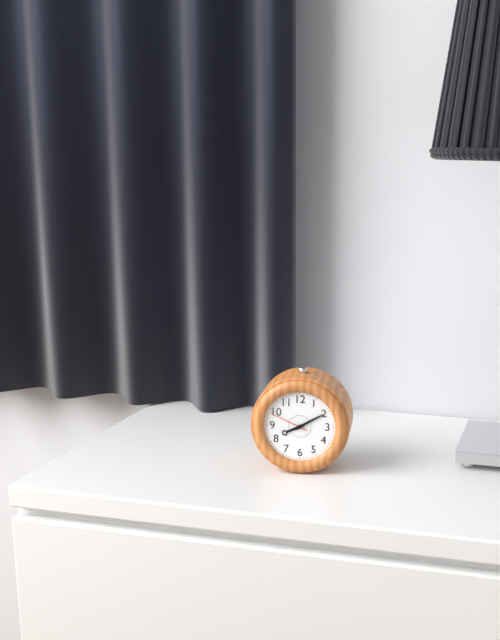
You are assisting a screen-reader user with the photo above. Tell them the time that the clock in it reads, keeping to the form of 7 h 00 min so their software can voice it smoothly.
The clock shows 8 h 10 min
